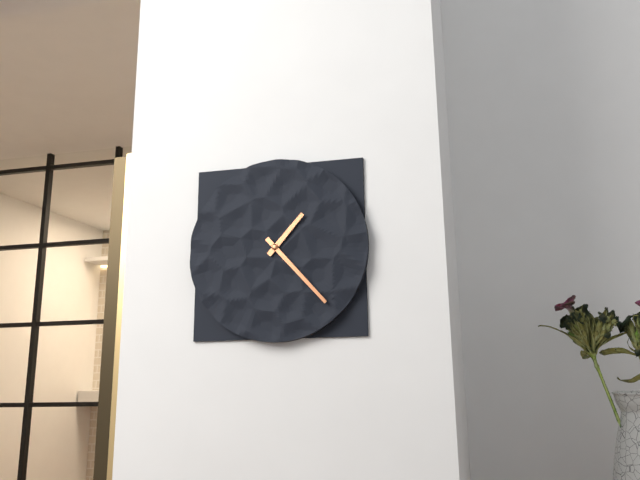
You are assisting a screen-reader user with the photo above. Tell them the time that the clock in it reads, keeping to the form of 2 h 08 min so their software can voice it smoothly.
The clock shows 1 h 23 min
